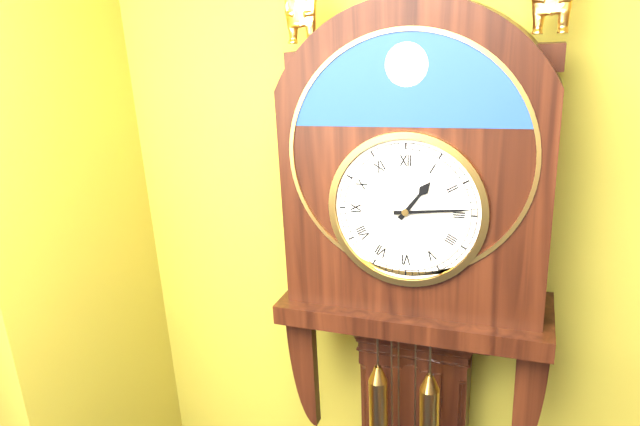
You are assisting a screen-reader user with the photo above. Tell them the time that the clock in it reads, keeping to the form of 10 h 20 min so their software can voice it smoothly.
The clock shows 1 h 14 min
